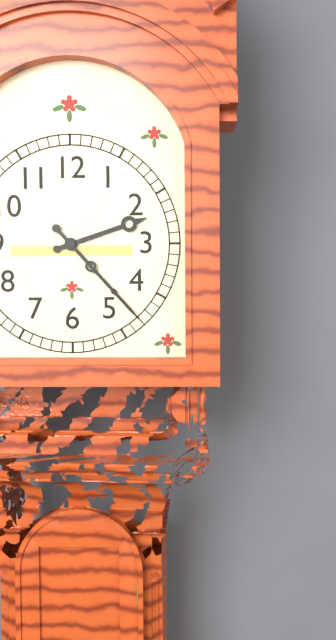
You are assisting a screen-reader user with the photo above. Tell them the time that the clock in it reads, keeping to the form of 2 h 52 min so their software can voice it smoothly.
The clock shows 2 h 23 min
